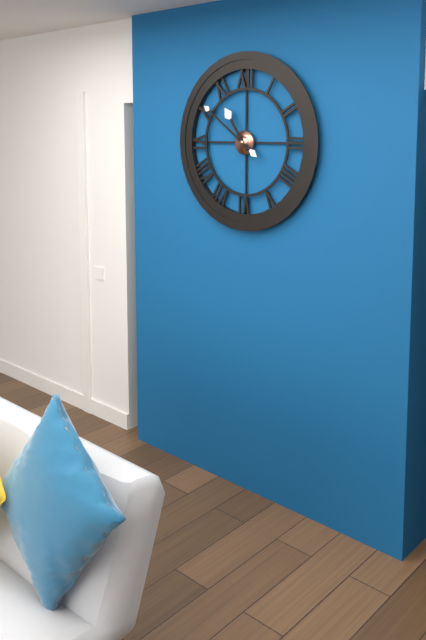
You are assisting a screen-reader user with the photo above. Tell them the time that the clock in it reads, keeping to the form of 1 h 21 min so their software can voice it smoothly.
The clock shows 10 h 51 min
